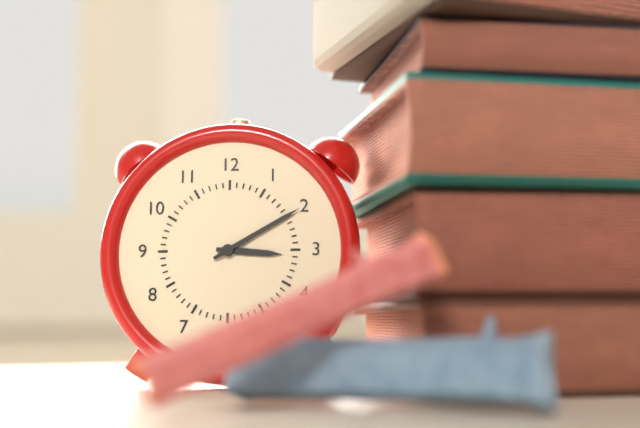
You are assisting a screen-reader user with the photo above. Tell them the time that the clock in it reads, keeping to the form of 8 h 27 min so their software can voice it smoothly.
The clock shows 3 h 10 min
